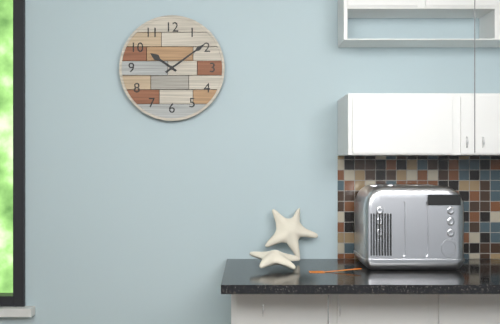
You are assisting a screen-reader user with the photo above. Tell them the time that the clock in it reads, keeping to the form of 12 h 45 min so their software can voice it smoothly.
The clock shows 10 h 09 min
